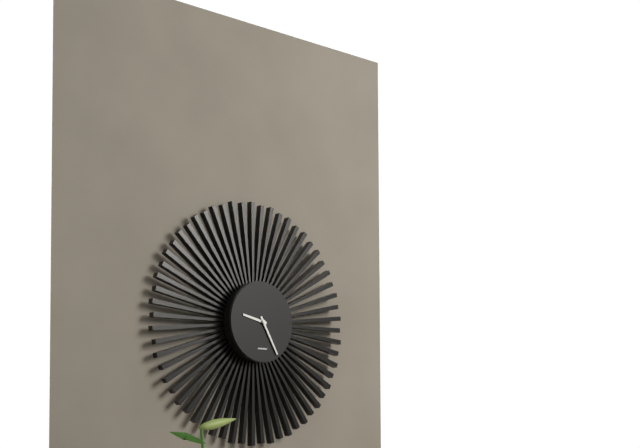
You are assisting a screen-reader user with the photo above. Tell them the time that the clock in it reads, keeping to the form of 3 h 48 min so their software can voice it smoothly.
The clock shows 9 h 25 min
